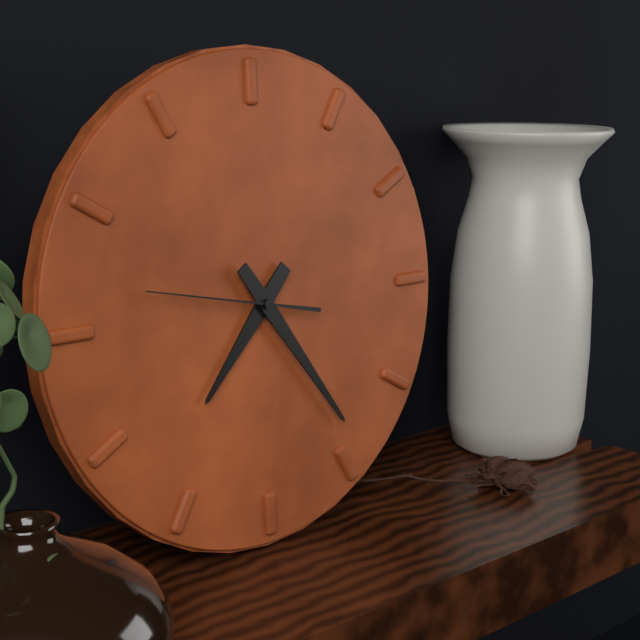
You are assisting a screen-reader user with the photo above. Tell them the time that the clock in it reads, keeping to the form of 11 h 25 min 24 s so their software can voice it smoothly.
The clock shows 7 h 24 min 47 s
